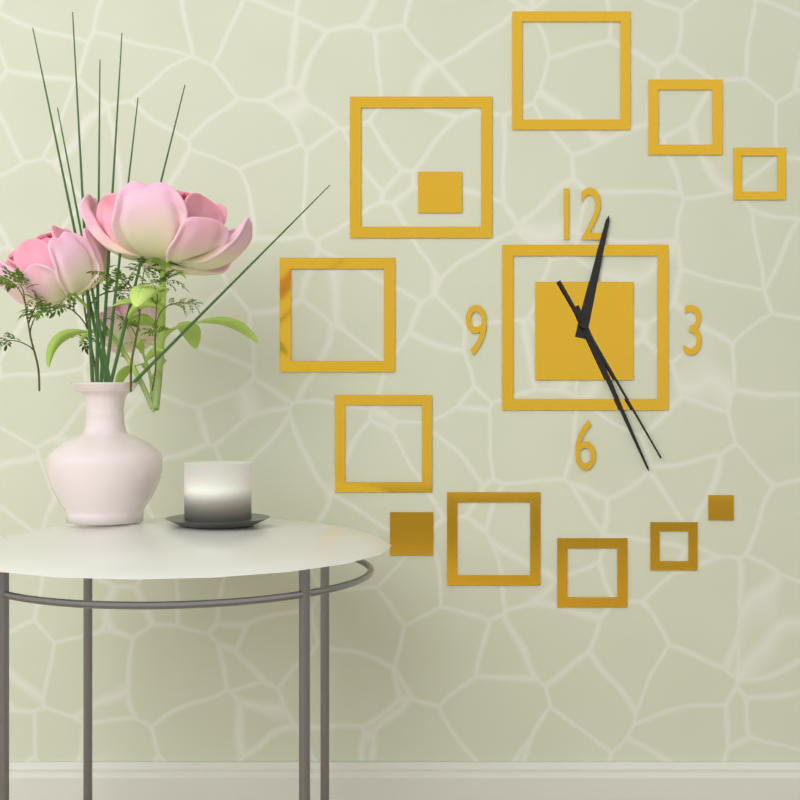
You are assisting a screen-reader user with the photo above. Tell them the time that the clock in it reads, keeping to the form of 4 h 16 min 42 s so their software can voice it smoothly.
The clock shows 12 h 26 min 25 s
